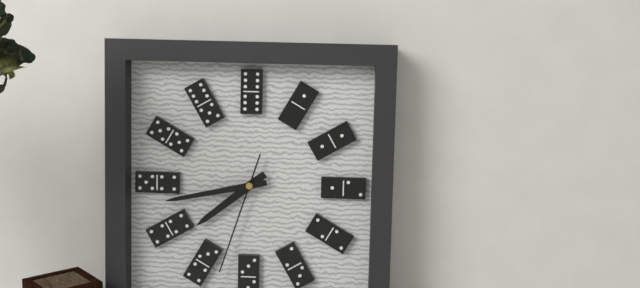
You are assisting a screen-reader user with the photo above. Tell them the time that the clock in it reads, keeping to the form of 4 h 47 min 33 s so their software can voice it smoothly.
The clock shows 7 h 43 min 33 s
